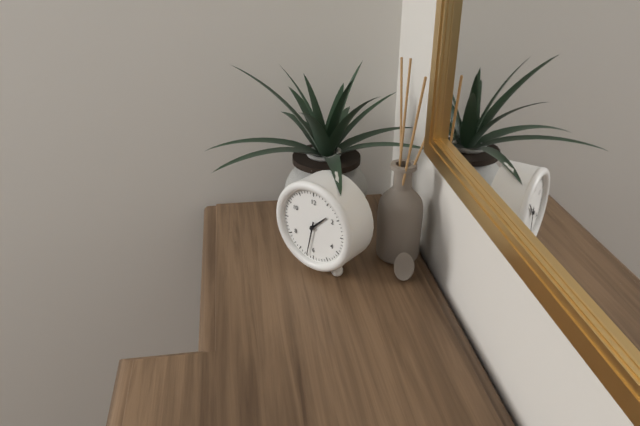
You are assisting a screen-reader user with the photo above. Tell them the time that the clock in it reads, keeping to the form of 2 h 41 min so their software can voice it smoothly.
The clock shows 1 h 32 min
